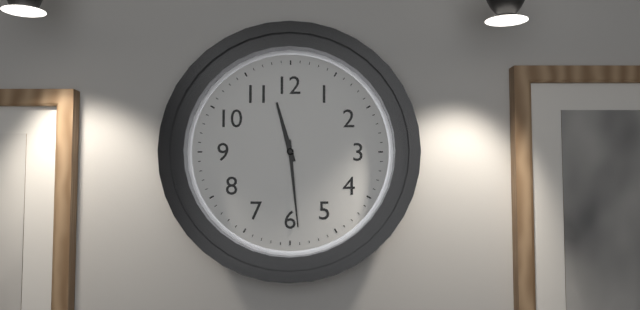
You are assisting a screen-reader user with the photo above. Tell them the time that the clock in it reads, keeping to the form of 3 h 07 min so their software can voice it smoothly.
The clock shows 11 h 29 min
